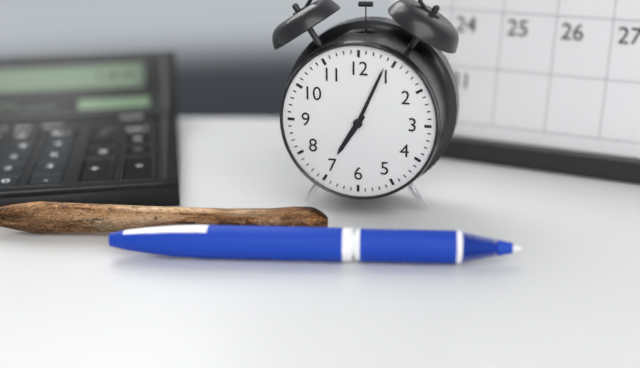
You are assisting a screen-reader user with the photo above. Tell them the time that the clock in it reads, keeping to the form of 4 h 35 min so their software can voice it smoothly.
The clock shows 7 h 04 min
